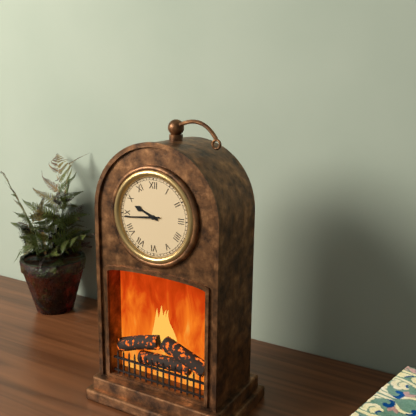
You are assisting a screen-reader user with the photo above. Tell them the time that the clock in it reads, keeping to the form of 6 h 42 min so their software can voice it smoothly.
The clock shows 9 h 44 min
